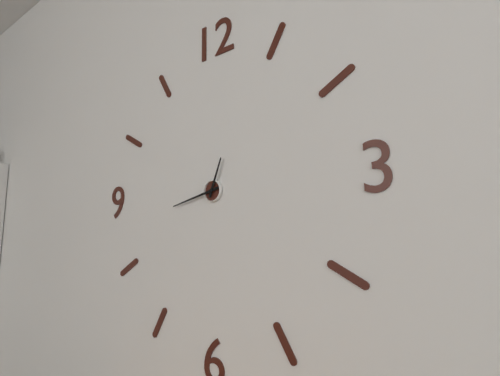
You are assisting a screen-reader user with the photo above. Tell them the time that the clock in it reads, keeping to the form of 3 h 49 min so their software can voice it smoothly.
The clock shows 12 h 43 min
